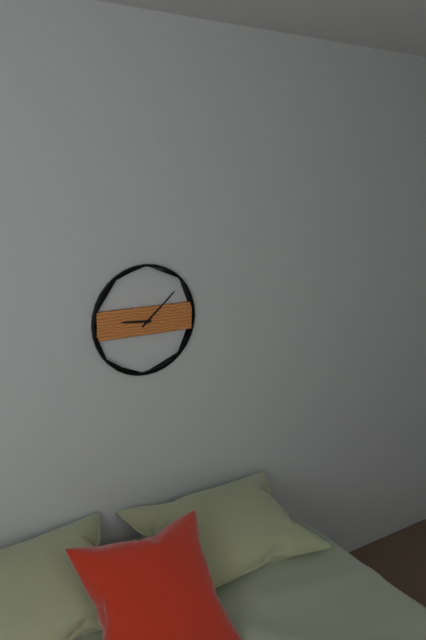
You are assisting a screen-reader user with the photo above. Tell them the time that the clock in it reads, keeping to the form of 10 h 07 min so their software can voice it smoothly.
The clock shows 9 h 08 min
